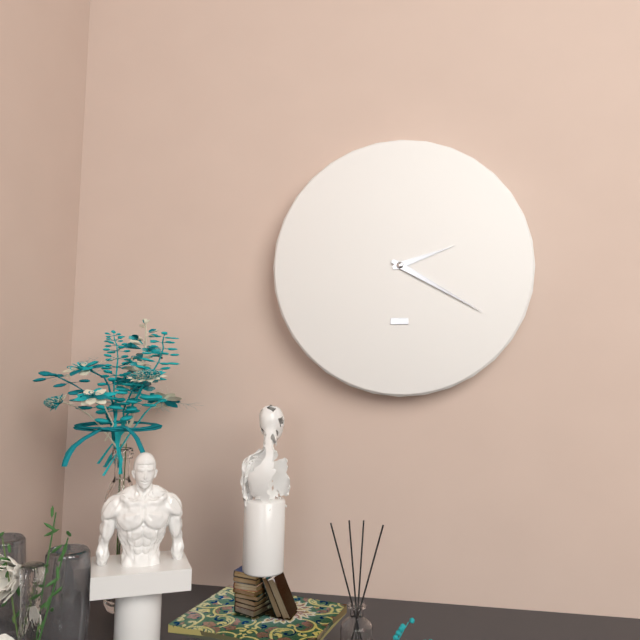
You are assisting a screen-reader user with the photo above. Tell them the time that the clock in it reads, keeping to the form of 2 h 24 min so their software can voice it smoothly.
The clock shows 2 h 20 min
